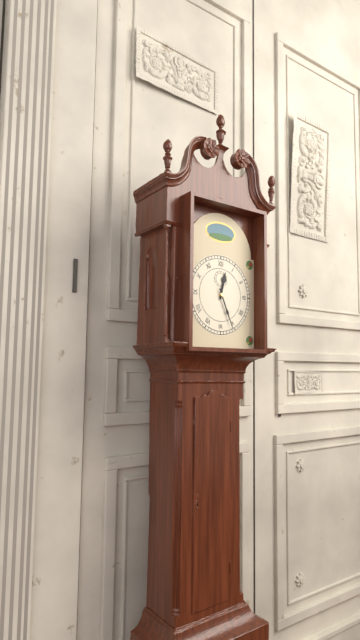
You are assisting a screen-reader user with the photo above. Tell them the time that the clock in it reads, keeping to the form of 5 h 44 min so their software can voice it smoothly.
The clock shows 12 h 26 min
